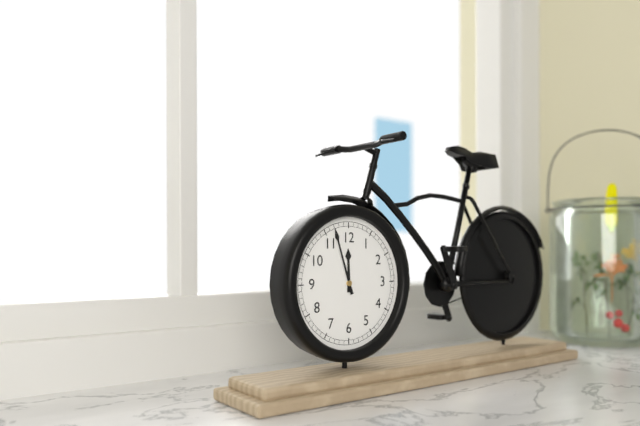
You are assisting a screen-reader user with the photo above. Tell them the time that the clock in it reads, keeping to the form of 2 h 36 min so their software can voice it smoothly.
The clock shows 11 h 57 min
